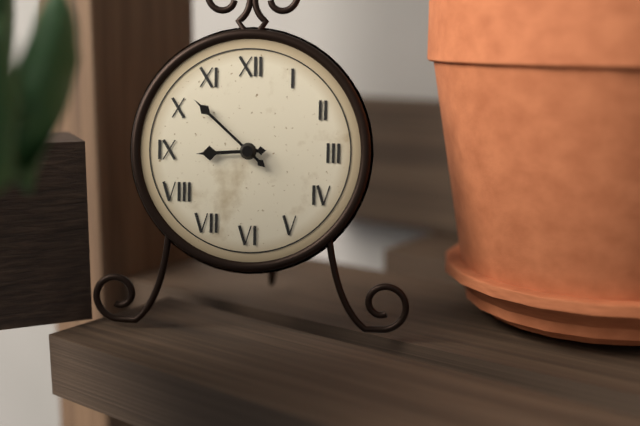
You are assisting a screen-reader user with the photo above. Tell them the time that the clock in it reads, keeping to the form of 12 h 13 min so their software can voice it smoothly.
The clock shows 8 h 52 min
